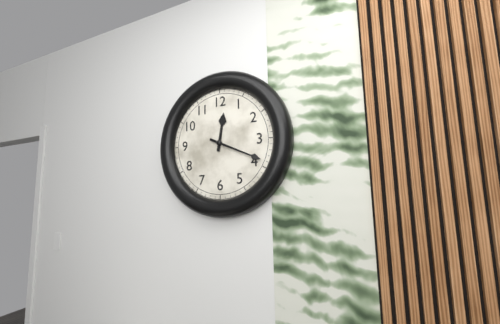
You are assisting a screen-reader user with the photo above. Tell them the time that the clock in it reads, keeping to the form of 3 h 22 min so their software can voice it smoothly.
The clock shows 12 h 19 min
